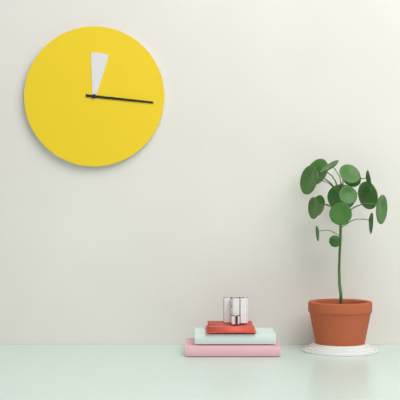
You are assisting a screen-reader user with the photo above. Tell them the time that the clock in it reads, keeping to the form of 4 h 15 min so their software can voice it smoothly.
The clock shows 12 h 16 min
